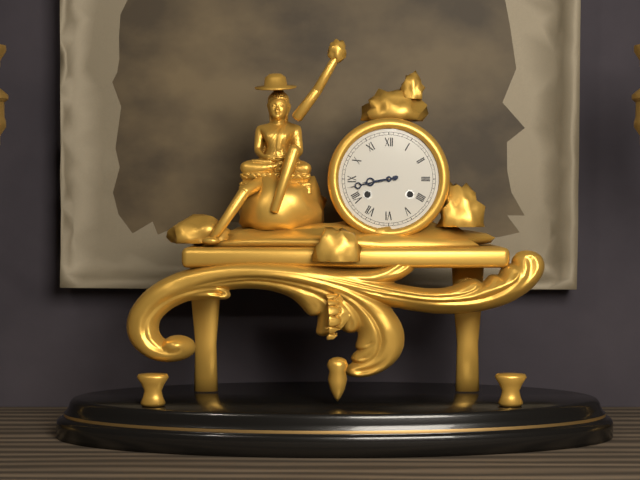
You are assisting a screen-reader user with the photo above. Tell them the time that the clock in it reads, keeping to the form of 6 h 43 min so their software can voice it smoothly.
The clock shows 8 h 43 min
